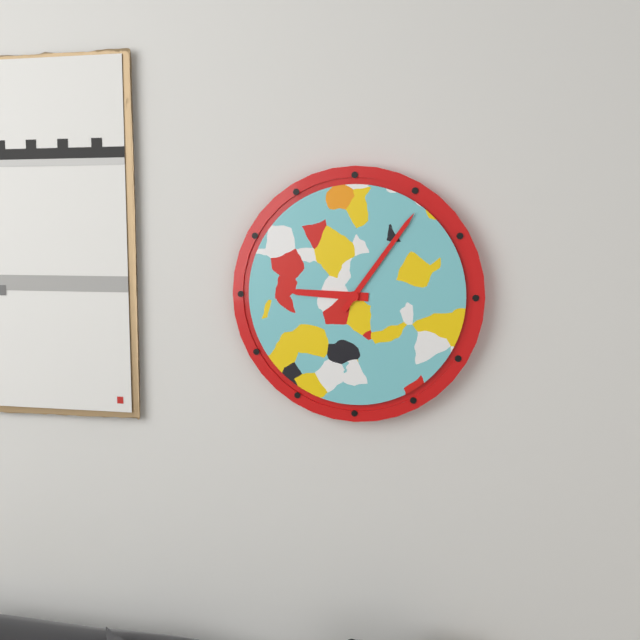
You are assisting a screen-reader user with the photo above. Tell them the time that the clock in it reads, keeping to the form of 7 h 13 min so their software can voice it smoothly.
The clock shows 9 h 06 min
